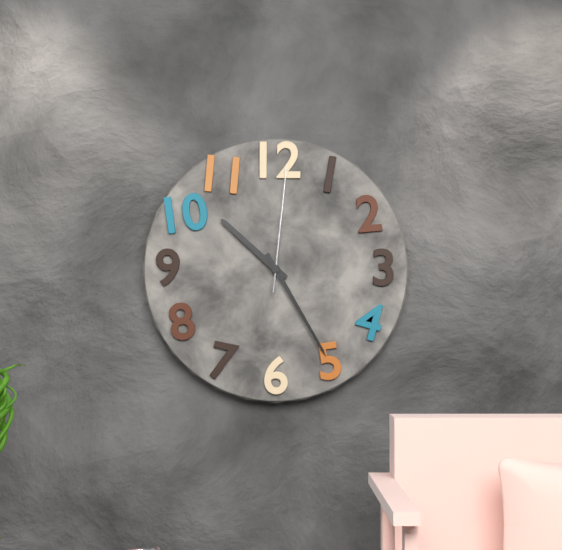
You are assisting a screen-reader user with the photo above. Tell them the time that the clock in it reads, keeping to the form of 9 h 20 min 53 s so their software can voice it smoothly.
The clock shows 10 h 25 min 01 s
